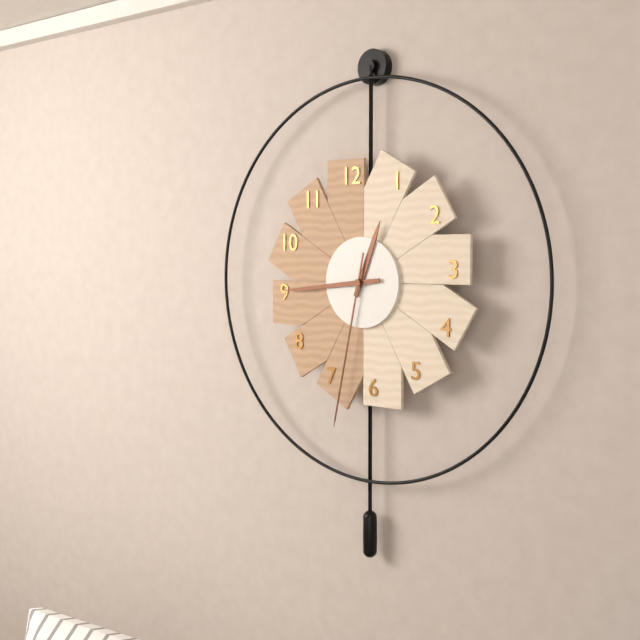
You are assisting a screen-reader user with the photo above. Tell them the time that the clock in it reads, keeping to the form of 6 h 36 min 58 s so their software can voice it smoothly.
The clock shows 12 h 44 min 32 s
